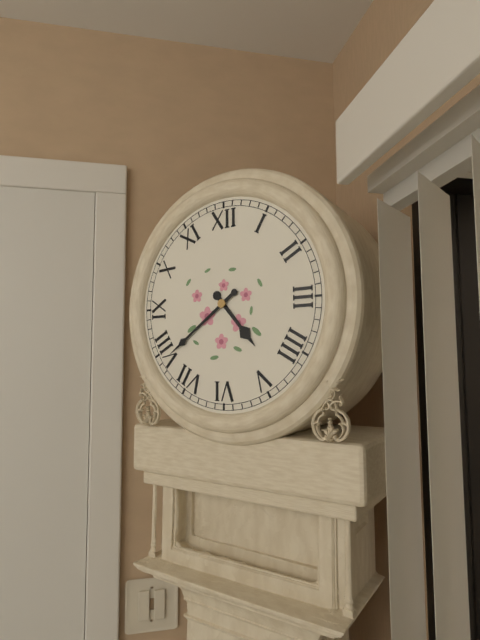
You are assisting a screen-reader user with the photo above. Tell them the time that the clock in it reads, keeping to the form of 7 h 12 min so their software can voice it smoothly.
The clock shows 4 h 39 min
